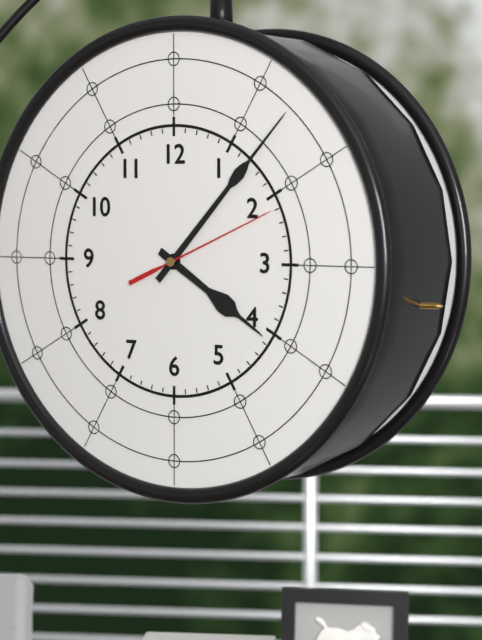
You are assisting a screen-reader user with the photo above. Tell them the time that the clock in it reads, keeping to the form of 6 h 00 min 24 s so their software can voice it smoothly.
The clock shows 4 h 07 min 11 s
